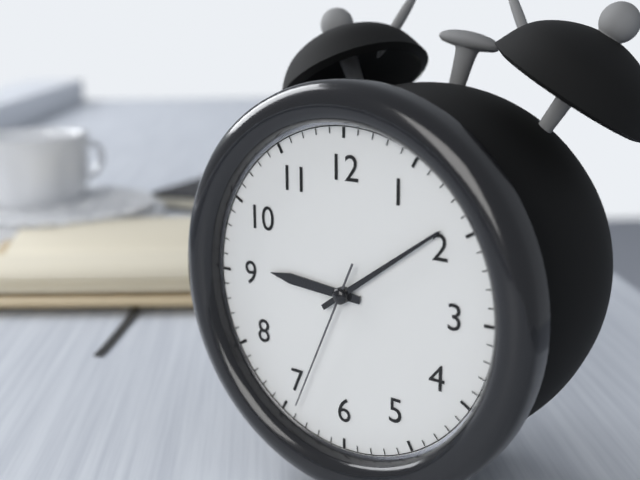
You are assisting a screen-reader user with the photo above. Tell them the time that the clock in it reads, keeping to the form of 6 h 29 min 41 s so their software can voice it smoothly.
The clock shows 9 h 09 min 34 s
